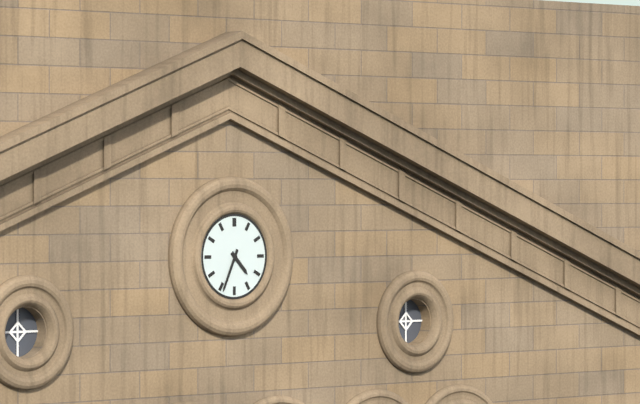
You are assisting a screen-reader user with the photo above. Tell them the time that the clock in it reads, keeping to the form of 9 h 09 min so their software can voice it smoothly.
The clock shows 4 h 34 min
